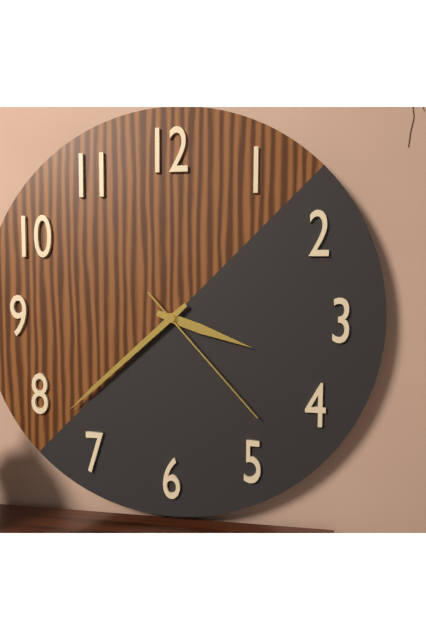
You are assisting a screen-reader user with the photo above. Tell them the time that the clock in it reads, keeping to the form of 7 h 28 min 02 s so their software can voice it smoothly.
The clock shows 3 h 38 min 23 s
